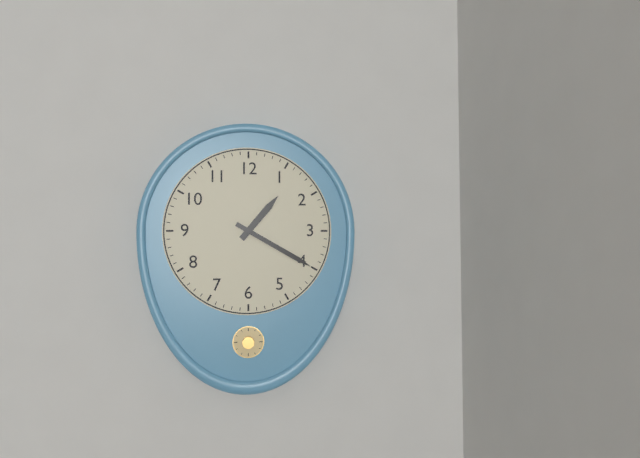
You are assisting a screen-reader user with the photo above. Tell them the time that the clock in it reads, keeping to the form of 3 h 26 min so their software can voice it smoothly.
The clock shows 1 h 20 min
